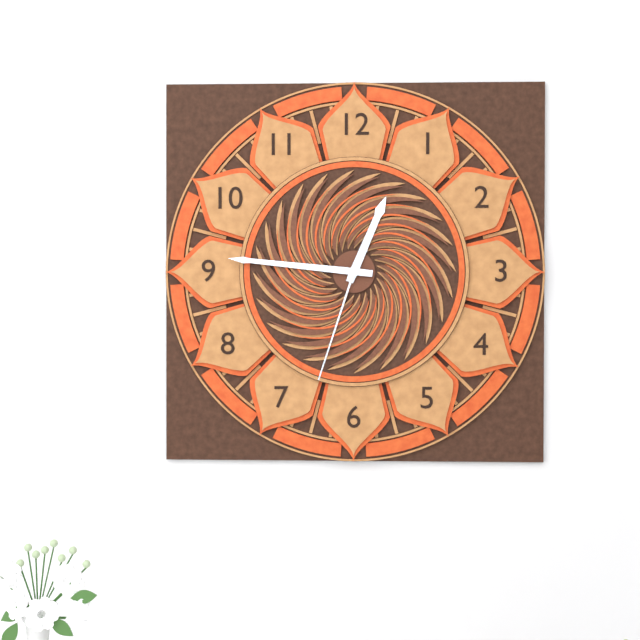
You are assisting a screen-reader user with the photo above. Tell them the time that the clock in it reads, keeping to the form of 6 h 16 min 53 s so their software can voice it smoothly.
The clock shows 12 h 46 min 33 s
